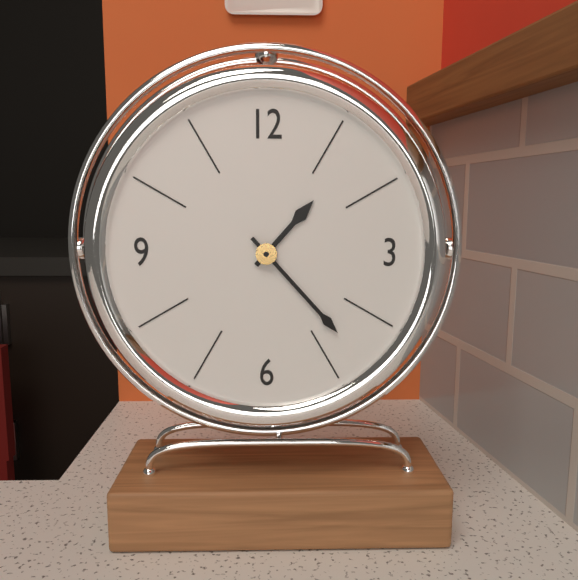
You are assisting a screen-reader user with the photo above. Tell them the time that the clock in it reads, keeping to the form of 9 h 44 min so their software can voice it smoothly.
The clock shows 1 h 23 min
